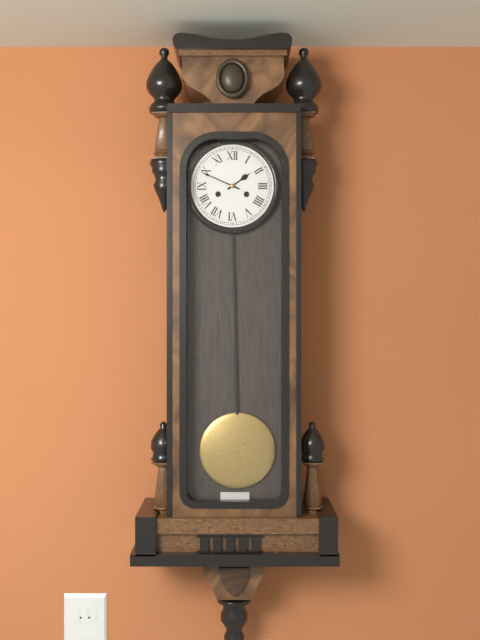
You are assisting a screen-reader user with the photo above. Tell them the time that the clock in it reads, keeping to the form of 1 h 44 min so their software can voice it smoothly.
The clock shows 1 h 49 min
